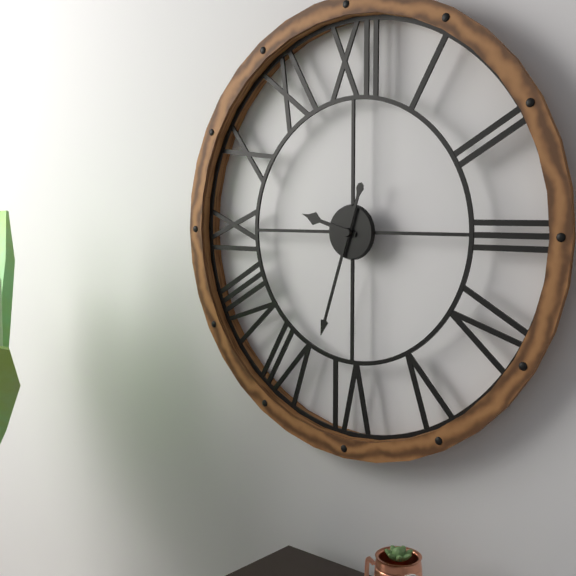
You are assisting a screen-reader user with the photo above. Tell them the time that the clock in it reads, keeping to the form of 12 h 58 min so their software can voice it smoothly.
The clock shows 9 h 33 min
